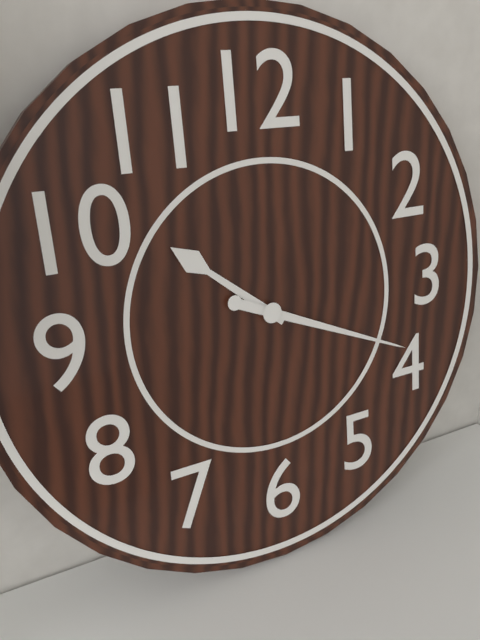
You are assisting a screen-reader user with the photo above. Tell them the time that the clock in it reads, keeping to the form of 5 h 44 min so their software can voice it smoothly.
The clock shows 10 h 19 min
